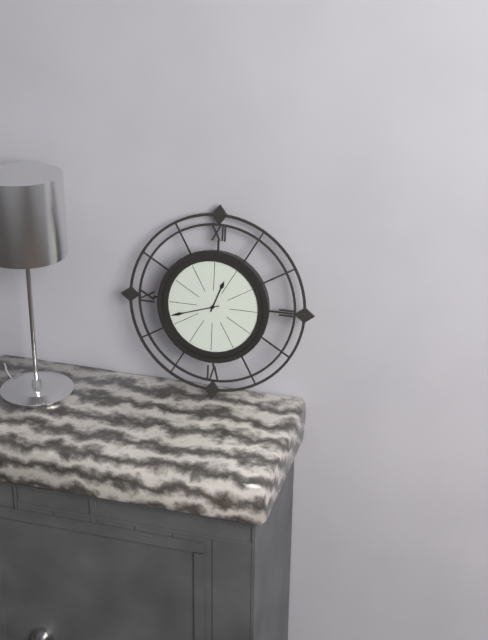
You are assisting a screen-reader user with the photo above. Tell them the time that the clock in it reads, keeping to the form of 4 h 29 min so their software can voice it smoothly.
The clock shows 12 h 42 min
